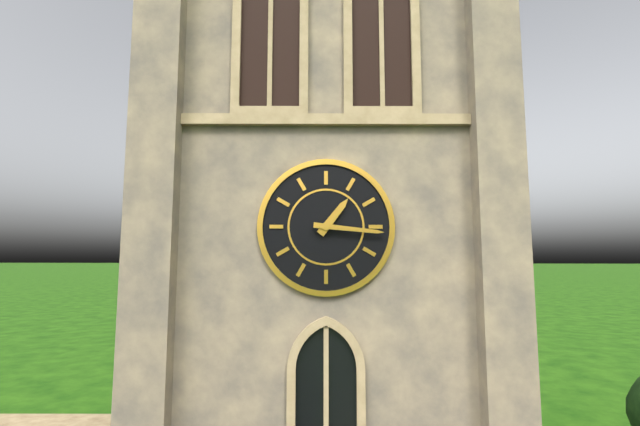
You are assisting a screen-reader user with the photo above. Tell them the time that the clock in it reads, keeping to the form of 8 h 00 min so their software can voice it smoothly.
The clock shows 1 h 16 min
